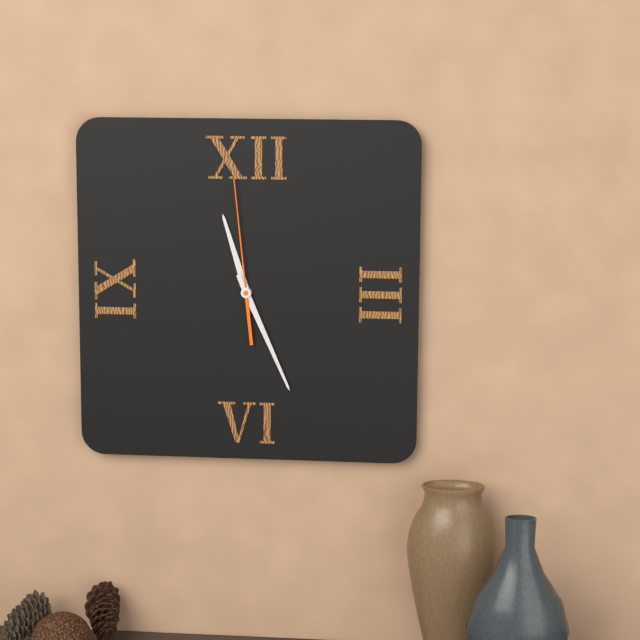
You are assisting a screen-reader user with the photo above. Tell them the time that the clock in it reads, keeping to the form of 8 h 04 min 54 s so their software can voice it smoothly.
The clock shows 11 h 26 min 59 s
